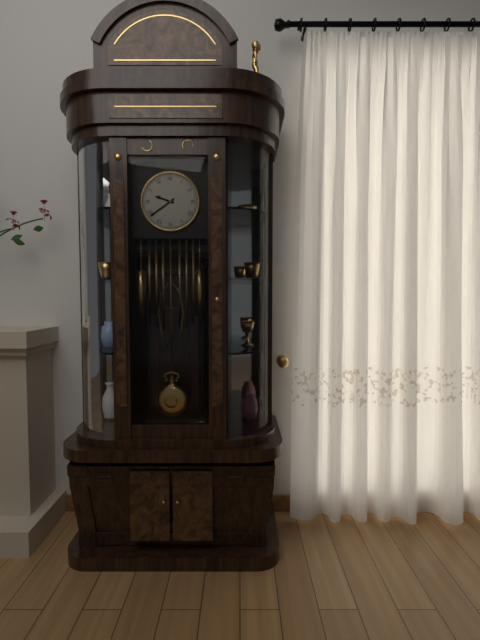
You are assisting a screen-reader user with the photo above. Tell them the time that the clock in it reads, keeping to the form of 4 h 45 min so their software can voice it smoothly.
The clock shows 9 h 39 min
